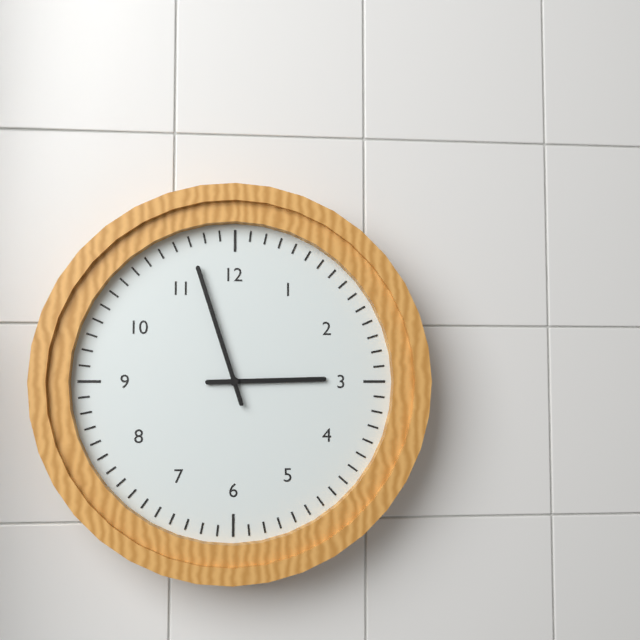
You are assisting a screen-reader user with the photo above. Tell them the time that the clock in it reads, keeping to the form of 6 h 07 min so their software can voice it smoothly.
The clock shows 2 h 57 min
